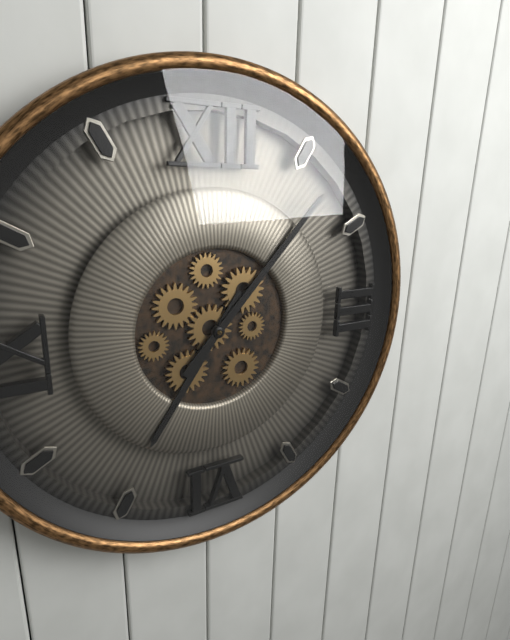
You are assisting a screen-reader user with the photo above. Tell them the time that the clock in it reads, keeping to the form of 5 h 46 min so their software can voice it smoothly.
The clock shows 7 h 07 min
